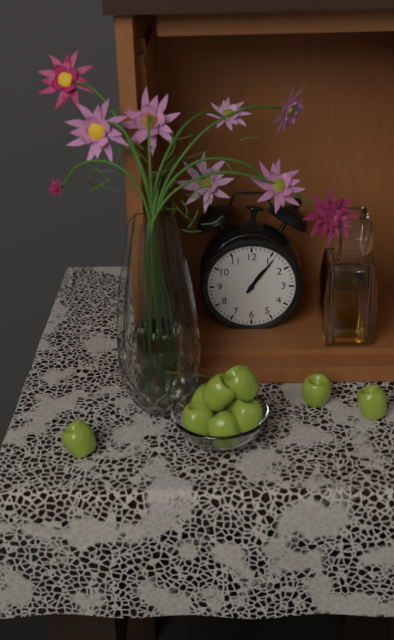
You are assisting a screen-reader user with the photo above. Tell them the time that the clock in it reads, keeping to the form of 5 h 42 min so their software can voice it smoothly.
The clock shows 1 h 06 min
